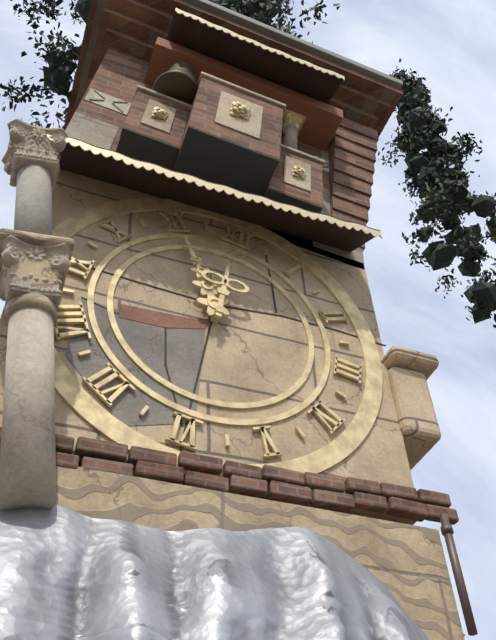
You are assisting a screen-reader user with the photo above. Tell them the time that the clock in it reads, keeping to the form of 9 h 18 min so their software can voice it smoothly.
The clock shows 11 h 55 min
